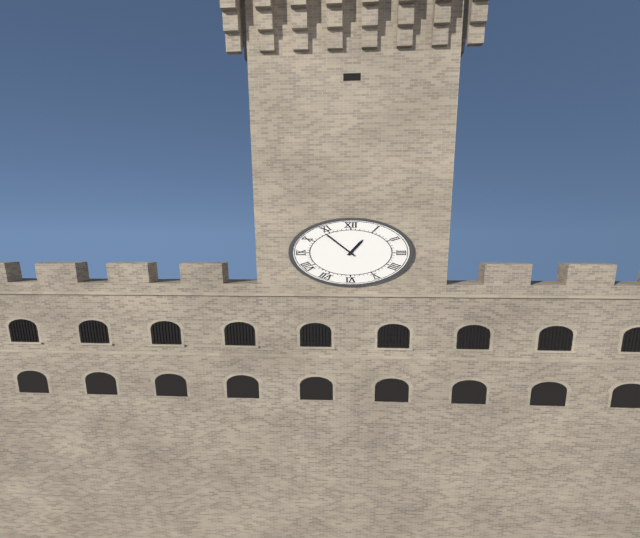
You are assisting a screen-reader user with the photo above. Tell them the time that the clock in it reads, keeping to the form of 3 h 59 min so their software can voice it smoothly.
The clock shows 12 h 54 min
